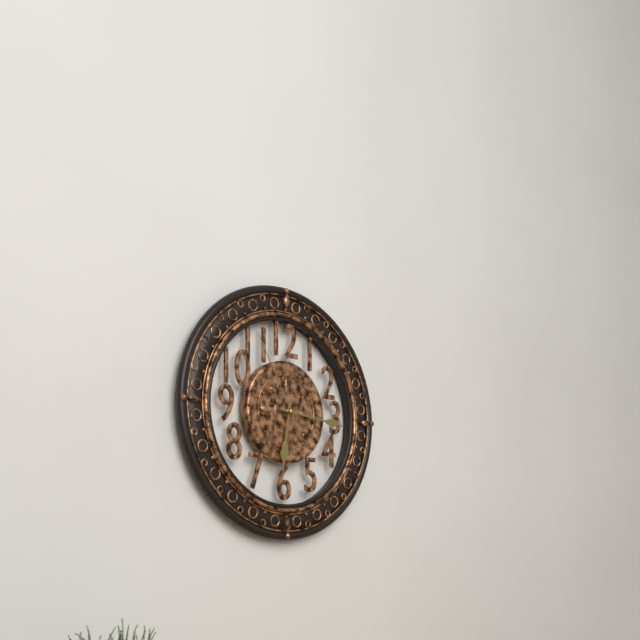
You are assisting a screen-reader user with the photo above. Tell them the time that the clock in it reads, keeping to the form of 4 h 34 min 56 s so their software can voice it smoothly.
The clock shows 6 h 16 min 55 s
